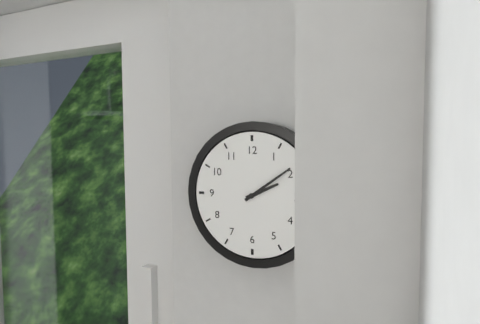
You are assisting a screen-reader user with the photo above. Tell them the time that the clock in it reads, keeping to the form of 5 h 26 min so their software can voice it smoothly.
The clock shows 2 h 09 min
